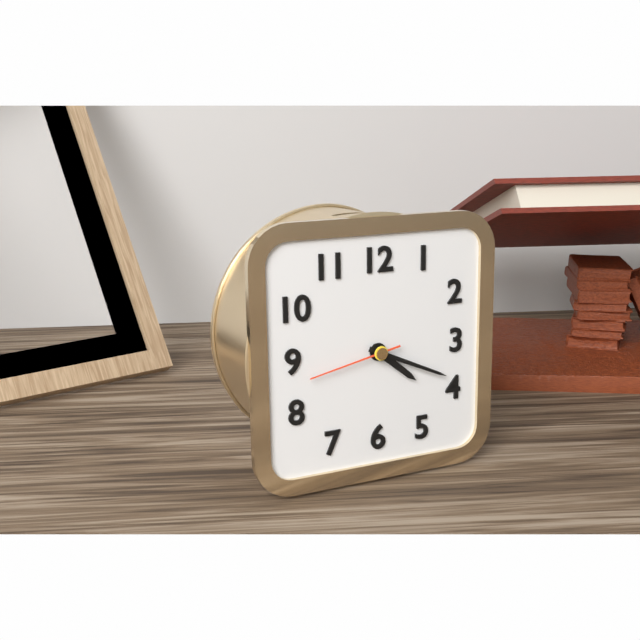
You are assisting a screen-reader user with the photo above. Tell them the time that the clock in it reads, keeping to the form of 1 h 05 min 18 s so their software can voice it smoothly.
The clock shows 4 h 19 min 43 s
